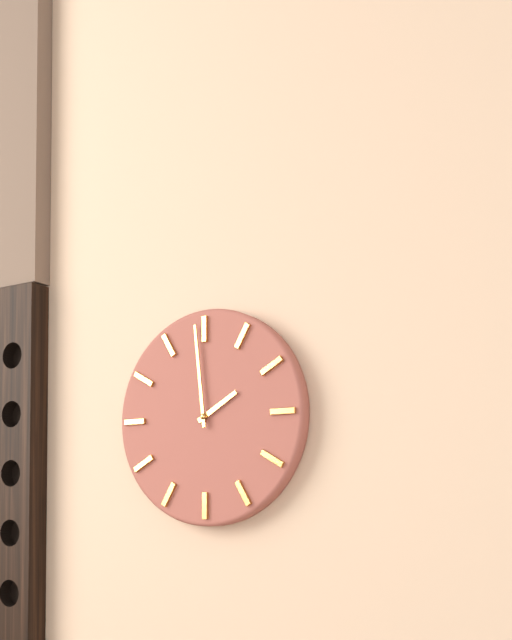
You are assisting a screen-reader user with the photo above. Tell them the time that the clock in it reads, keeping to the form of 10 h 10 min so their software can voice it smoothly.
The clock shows 1 h 59 min
